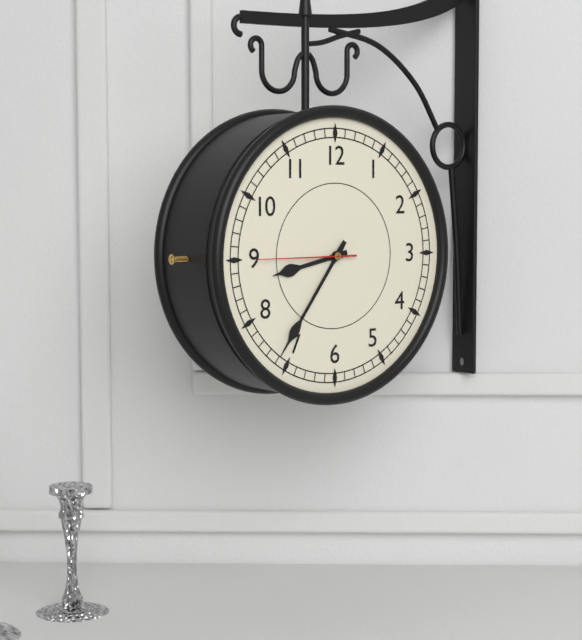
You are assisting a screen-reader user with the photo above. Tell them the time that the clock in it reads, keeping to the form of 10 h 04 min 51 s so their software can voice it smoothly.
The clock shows 8 h 36 min 45 s
